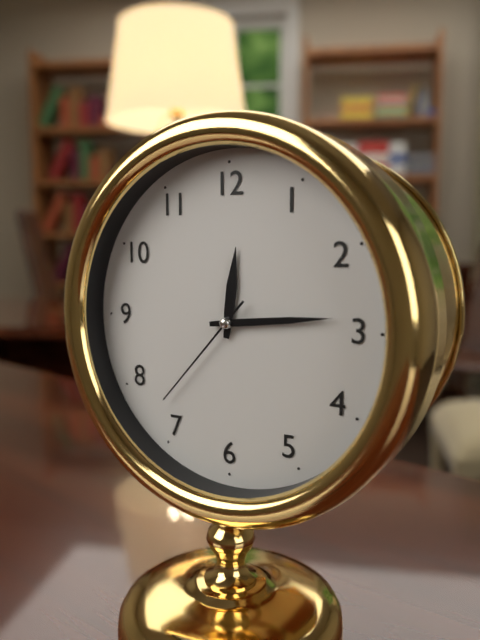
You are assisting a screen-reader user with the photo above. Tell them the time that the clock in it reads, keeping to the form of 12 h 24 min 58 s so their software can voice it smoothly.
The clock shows 12 h 14 min 37 s
